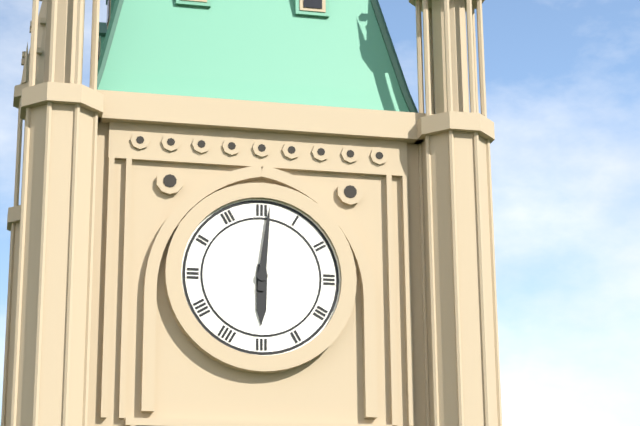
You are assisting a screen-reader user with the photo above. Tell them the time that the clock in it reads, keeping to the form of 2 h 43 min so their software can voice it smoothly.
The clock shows 6 h 01 min
